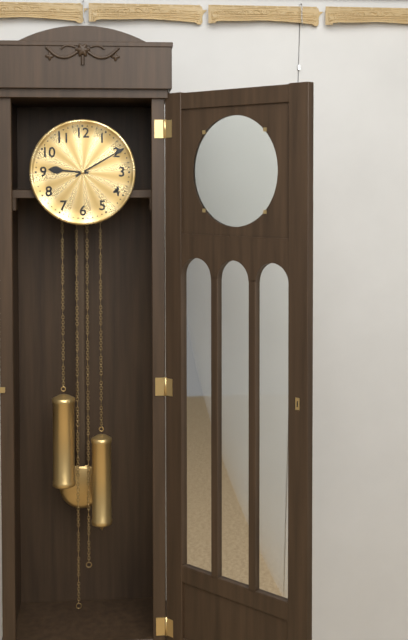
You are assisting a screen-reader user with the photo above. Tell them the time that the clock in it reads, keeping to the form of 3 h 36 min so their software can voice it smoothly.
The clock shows 9 h 10 min
